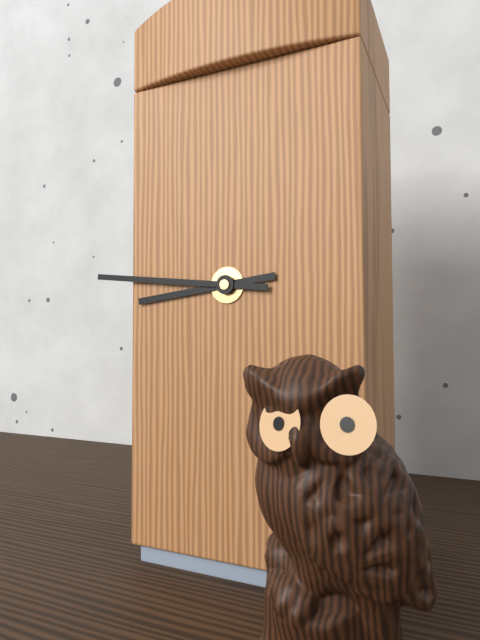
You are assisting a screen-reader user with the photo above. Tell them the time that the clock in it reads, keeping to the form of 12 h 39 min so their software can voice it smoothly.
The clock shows 8 h 46 min
